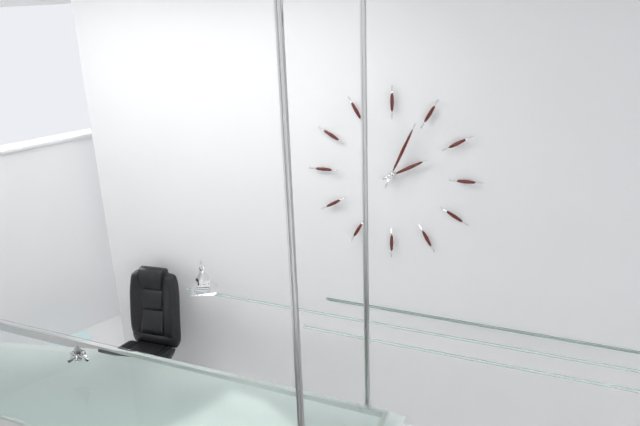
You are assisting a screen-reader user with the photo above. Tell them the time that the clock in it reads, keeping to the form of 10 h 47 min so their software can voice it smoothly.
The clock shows 2 h 04 min
